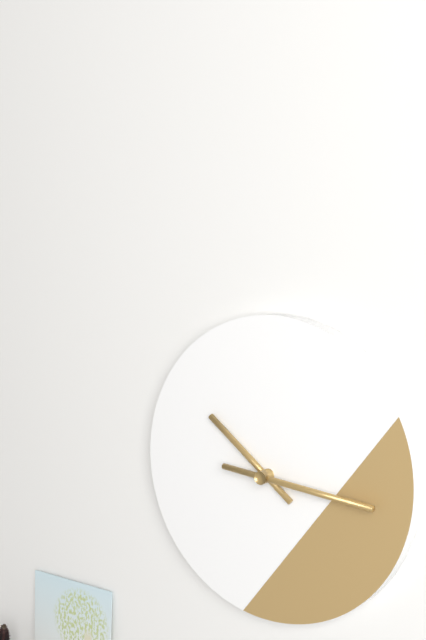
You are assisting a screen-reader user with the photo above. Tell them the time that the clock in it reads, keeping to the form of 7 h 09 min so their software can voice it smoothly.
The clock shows 10 h 16 min
